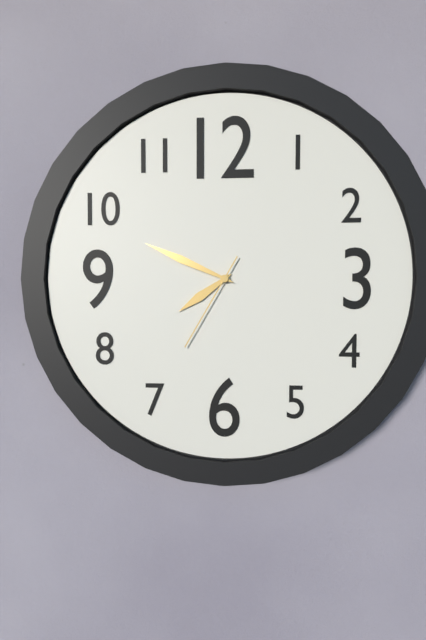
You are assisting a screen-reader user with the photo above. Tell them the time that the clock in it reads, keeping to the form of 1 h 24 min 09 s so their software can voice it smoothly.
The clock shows 7 h 49 min 35 s
